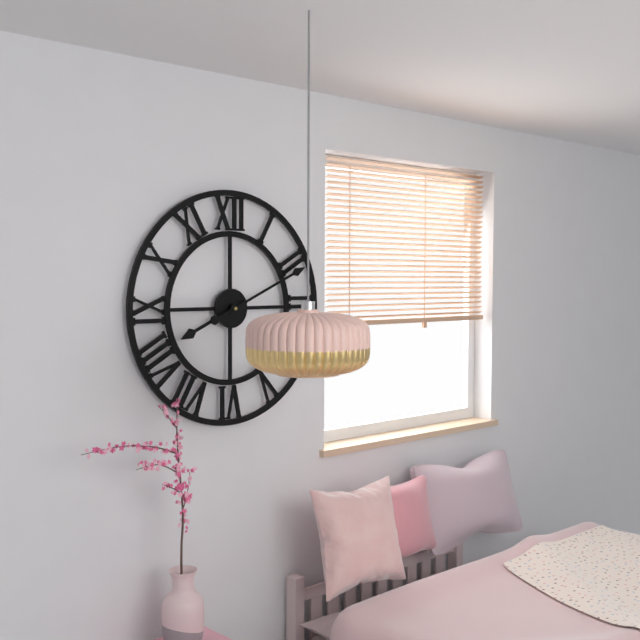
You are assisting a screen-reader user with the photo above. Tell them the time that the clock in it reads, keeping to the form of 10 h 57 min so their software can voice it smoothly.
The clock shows 8 h 11 min
